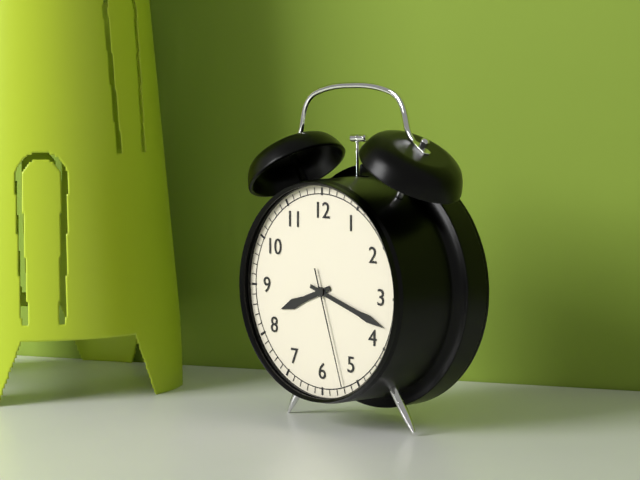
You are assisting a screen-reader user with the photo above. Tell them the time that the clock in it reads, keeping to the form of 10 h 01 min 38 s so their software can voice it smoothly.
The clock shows 8 h 18 min 27 s
